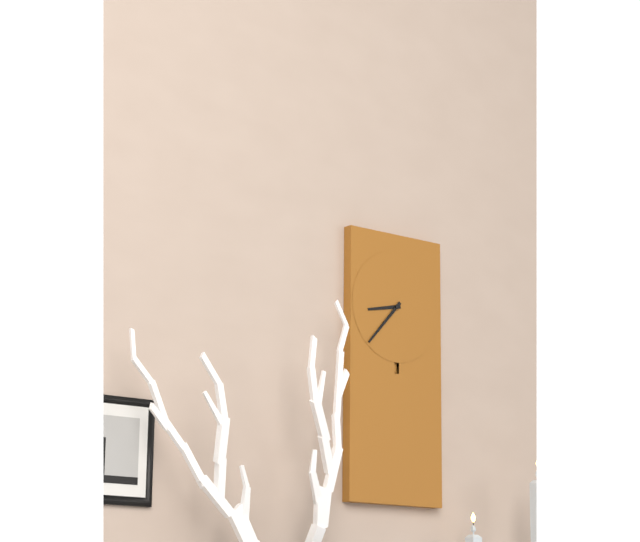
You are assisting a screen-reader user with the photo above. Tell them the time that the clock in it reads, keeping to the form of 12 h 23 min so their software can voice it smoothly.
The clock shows 8 h 37 min
